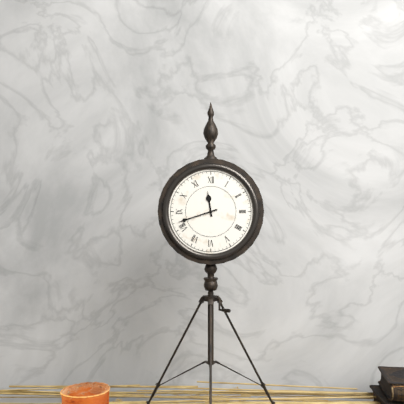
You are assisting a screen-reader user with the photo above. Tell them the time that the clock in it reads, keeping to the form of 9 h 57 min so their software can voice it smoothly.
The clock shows 11 h 42 min
